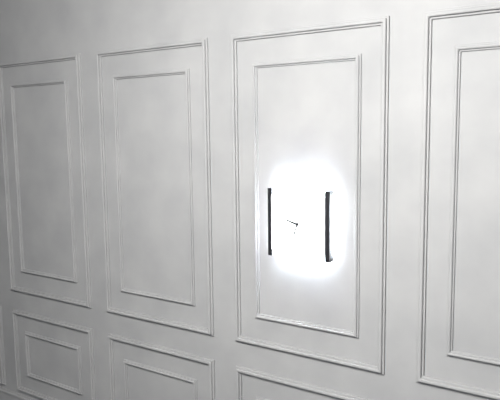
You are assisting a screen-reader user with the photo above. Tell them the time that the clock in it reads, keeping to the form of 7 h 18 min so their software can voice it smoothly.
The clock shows 9 h 33 min
